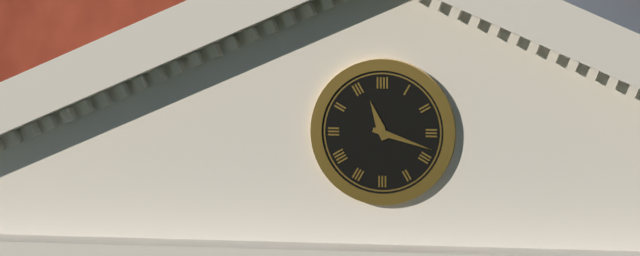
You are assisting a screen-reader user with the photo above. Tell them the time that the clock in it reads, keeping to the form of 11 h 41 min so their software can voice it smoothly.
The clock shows 11 h 18 min
